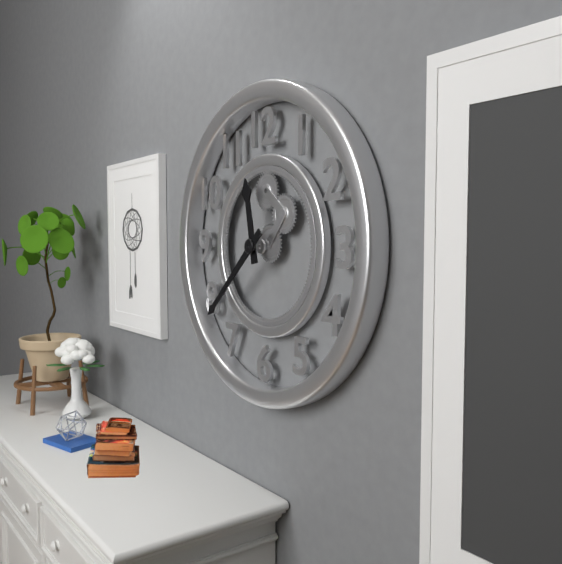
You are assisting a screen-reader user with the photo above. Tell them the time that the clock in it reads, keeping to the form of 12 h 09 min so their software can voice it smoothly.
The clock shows 11 h 38 min
